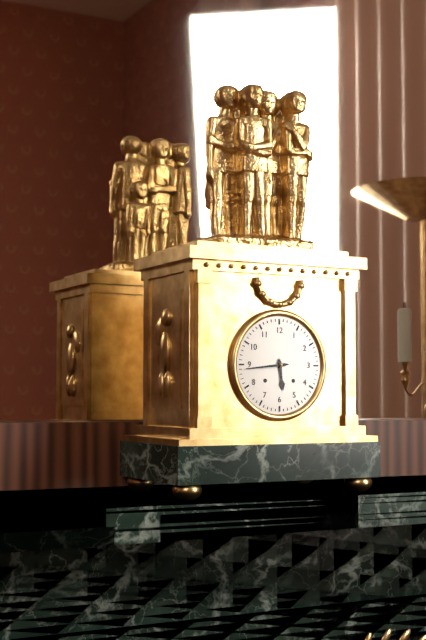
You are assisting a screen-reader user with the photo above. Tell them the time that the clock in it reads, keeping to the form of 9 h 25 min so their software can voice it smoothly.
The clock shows 5 h 44 min
